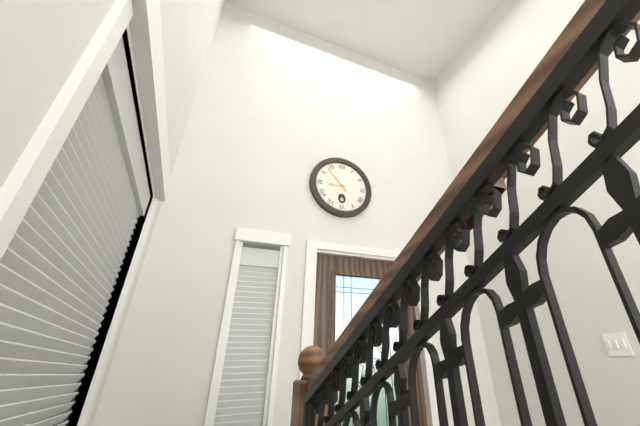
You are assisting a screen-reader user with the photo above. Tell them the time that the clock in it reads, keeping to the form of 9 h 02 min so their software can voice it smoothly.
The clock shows 8 h 53 min
